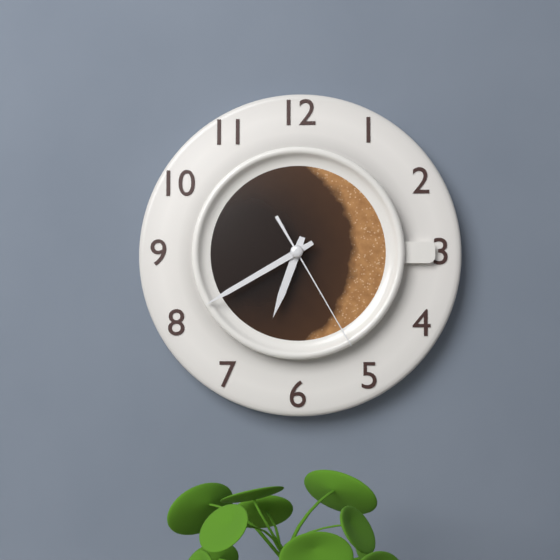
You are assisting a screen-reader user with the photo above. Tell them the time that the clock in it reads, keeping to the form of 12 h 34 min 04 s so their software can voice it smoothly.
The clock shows 6 h 40 min 25 s
